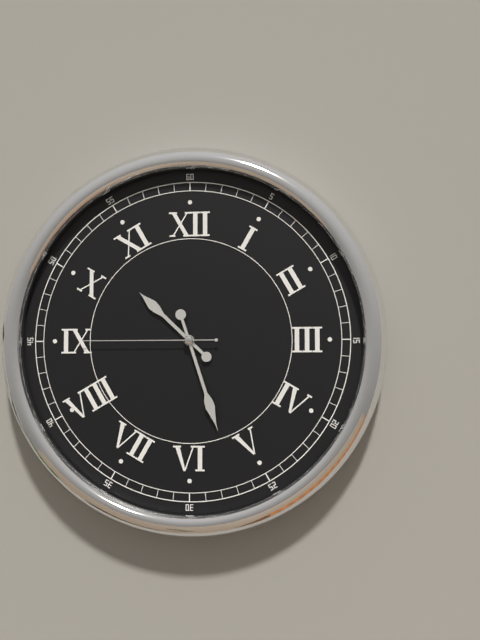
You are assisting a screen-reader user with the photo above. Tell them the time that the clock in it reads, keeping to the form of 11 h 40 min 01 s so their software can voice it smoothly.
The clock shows 10 h 27 min 45 s
